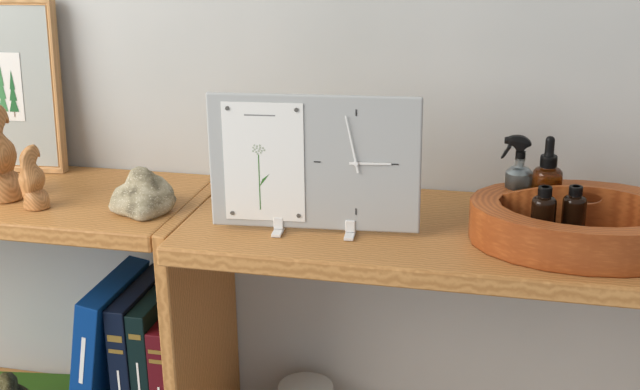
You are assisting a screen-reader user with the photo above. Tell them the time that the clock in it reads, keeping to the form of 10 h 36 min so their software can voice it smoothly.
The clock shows 2 h 58 min
